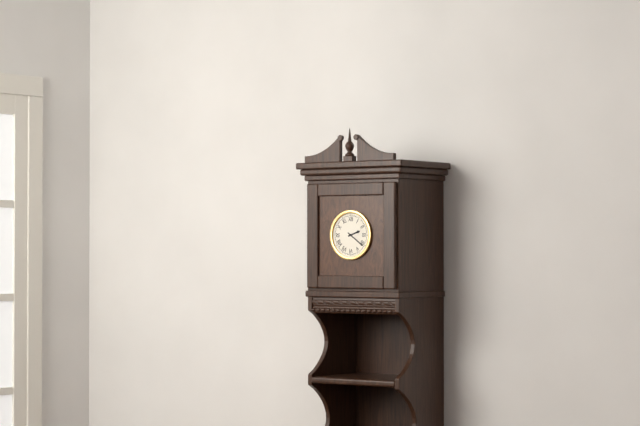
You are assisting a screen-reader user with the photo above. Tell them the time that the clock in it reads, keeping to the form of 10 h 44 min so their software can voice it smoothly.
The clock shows 2 h 21 min
